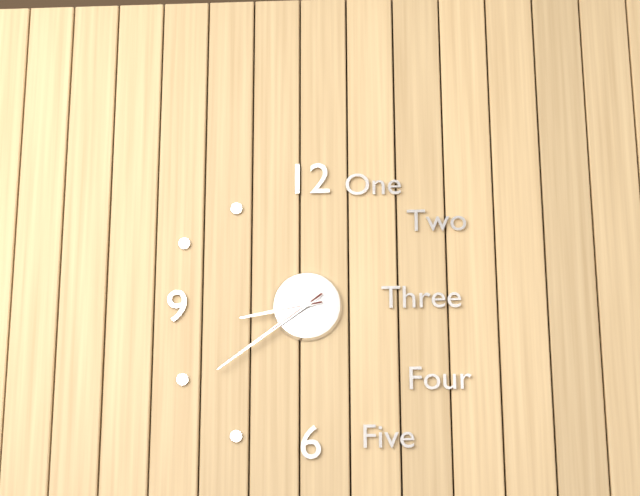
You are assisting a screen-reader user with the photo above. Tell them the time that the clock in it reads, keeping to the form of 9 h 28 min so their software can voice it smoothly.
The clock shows 8 h 39 min
